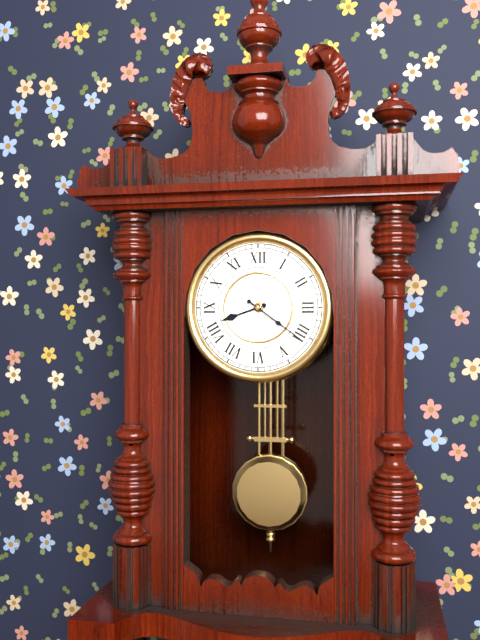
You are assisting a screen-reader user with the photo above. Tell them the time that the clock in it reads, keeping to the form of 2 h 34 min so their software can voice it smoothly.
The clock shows 8 h 21 min
